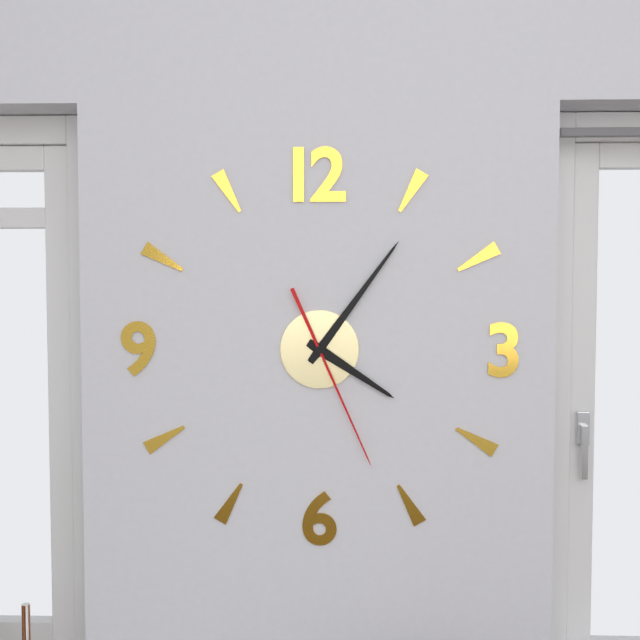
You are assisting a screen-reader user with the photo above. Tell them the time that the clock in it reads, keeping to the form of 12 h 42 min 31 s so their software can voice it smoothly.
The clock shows 4 h 06 min 26 s
